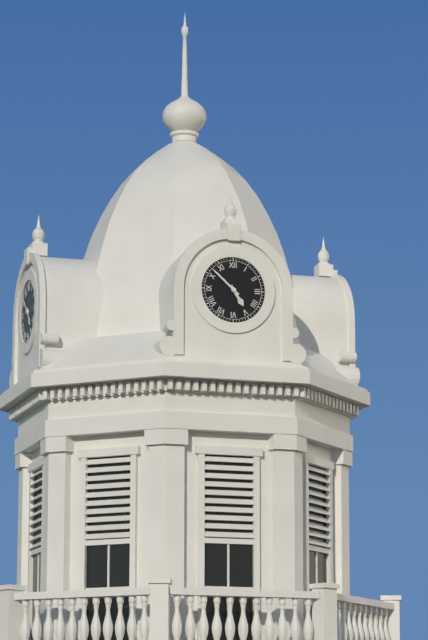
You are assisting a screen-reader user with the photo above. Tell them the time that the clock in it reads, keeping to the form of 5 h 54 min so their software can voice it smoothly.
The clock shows 4 h 52 min
